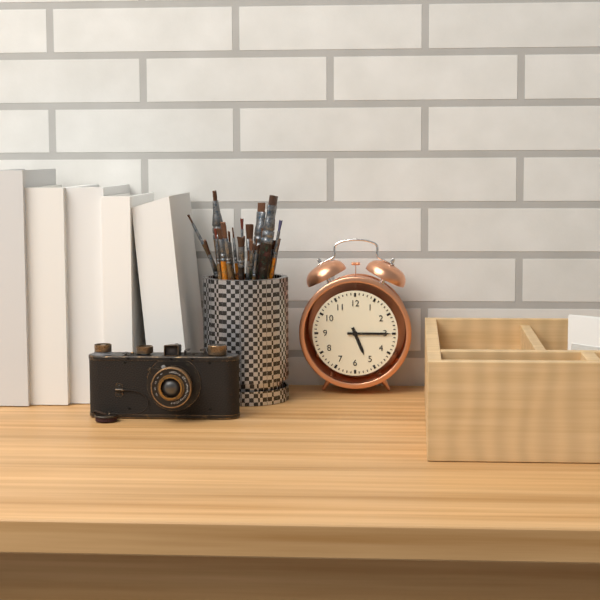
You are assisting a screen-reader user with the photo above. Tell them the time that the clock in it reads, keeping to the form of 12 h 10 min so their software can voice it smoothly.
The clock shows 5 h 15 min
